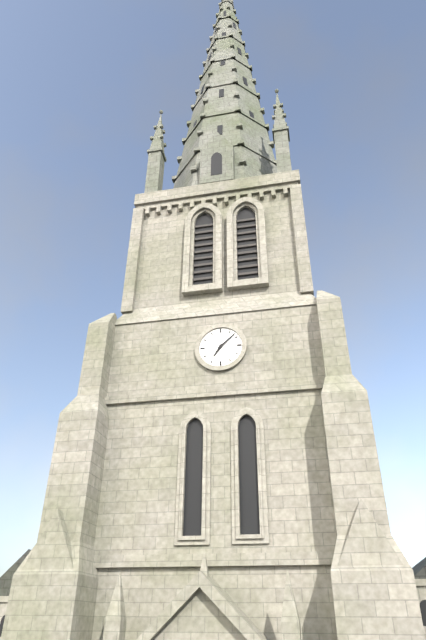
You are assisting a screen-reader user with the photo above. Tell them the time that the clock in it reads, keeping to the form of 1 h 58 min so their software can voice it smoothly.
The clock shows 7 h 08 min
